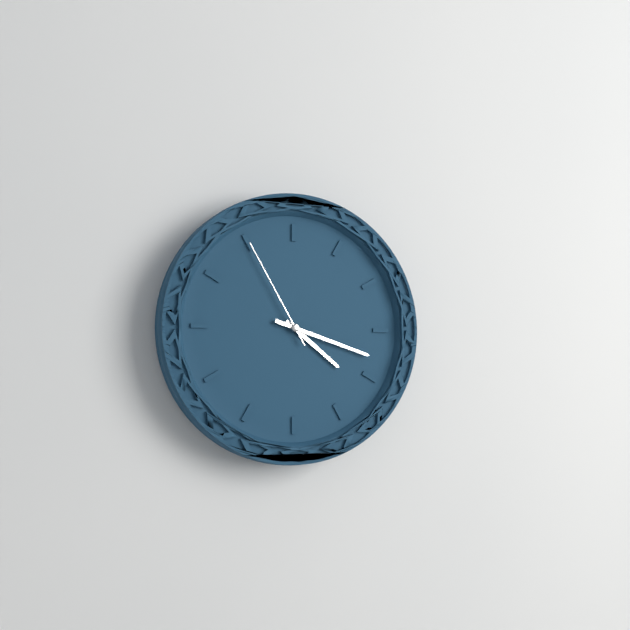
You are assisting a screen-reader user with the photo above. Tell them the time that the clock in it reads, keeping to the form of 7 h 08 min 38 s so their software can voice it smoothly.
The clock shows 4 h 18 min 55 s
